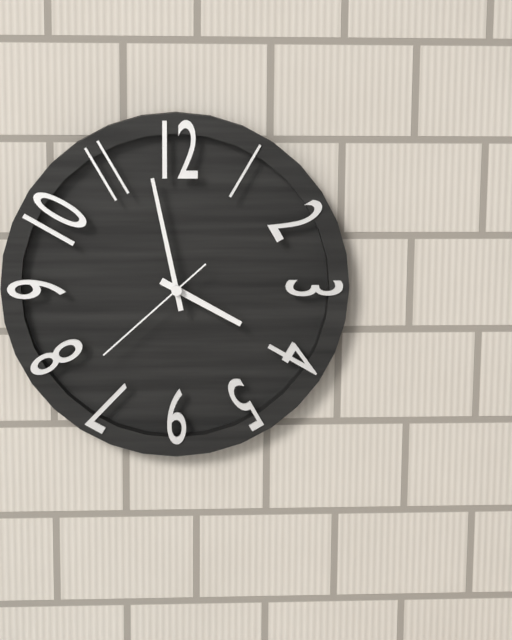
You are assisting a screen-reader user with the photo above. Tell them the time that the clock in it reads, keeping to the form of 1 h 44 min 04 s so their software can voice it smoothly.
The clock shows 3 h 58 min 38 s
